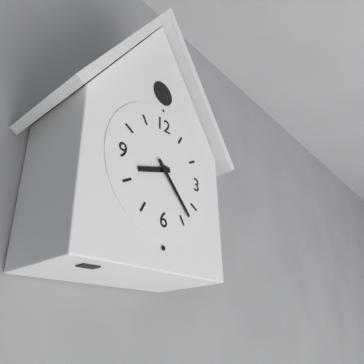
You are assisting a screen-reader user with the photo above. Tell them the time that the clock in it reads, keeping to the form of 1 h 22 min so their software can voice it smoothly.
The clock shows 8 h 23 min
